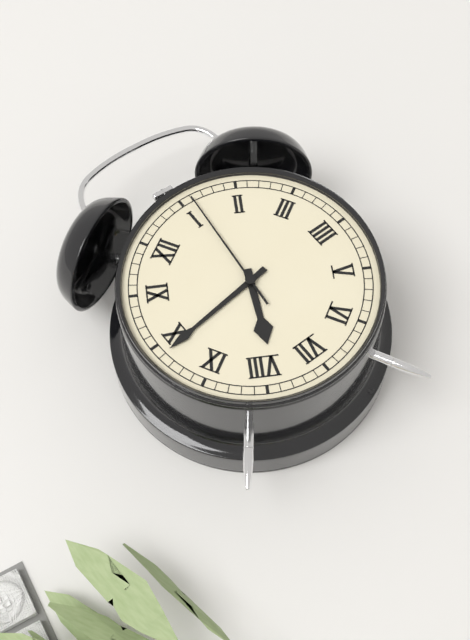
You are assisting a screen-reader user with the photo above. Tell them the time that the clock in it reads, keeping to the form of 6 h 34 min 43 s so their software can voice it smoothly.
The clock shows 7 h 49 min 06 s
